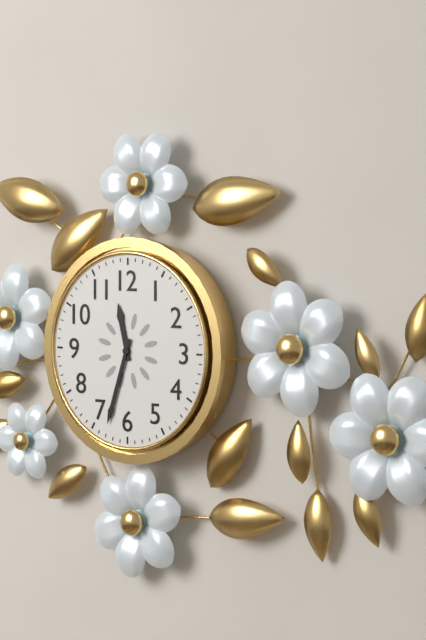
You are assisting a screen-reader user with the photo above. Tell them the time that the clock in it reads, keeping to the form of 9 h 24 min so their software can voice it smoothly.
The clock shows 11 h 33 min
